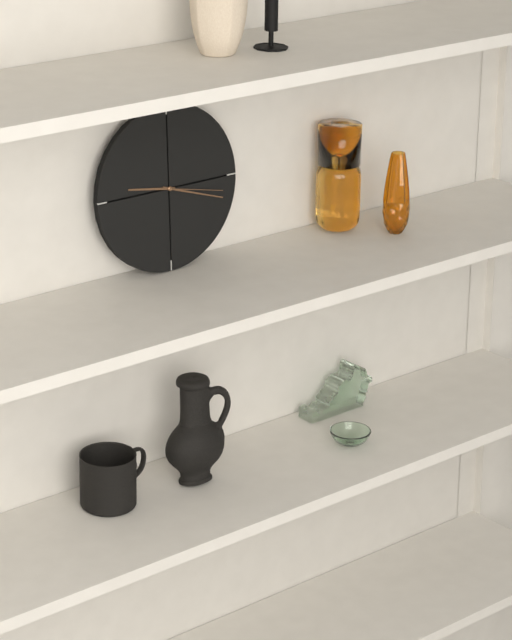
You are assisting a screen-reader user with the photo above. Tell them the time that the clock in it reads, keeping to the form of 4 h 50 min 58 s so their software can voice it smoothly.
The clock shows 9 h 18 min 17 s
